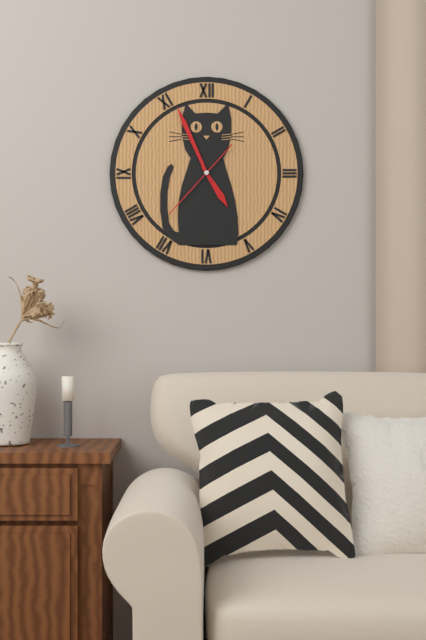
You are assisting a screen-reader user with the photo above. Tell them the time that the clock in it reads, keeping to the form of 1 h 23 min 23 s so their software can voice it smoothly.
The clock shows 4 h 56 min 37 s
